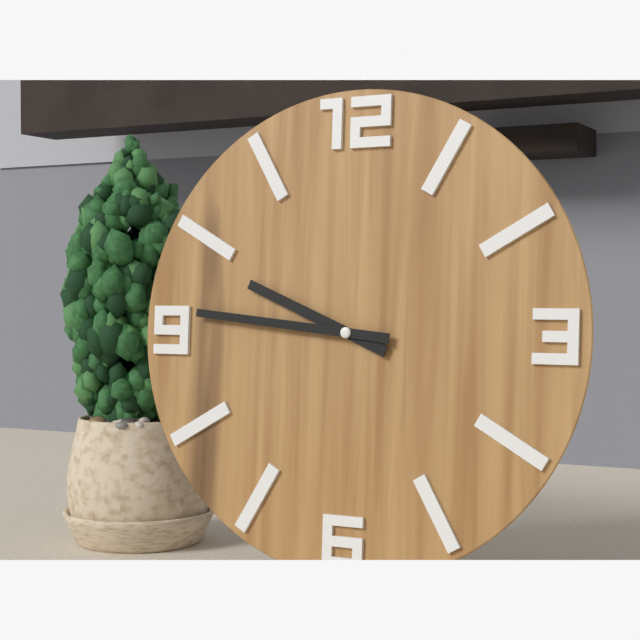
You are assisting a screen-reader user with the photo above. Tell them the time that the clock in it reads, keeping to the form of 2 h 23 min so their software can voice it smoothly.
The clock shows 9 h 46 min
